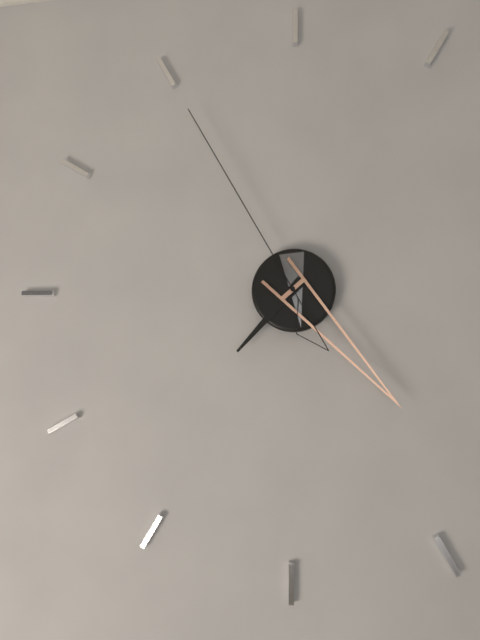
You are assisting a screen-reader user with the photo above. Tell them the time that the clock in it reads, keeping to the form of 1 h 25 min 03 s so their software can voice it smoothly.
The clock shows 7 h 23 min 55 s
